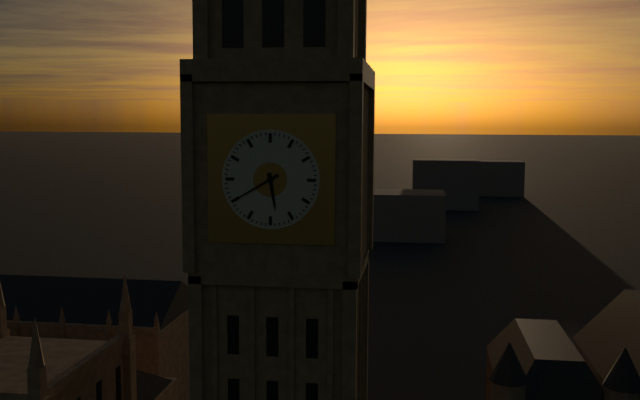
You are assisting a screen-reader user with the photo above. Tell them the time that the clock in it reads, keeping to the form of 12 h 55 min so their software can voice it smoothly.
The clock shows 5 h 40 min
